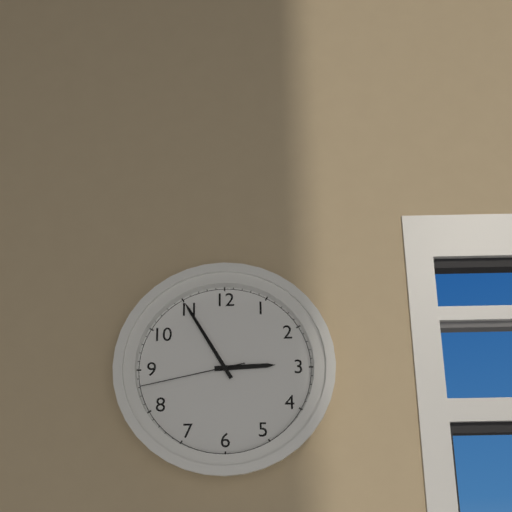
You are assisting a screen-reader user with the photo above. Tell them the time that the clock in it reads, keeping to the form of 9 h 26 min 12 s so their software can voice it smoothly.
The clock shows 2 h 55 min 43 s
